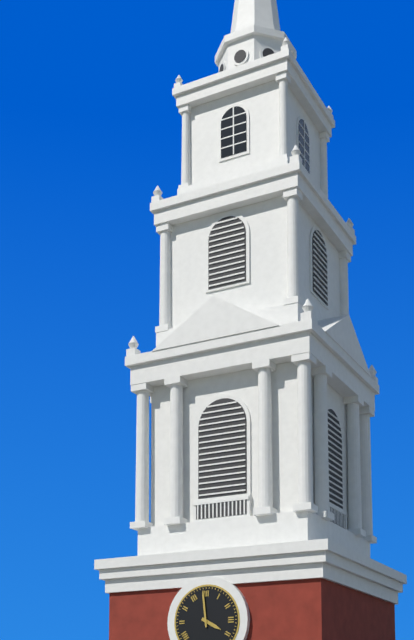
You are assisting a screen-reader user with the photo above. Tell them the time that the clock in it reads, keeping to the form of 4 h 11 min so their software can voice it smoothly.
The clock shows 3 h 59 min
